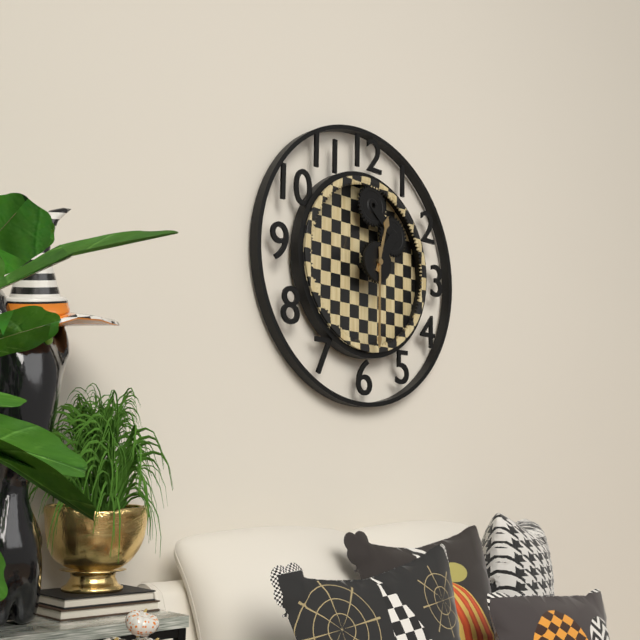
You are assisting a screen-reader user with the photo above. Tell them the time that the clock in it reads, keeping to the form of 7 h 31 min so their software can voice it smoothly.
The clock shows 12 h 30 min
